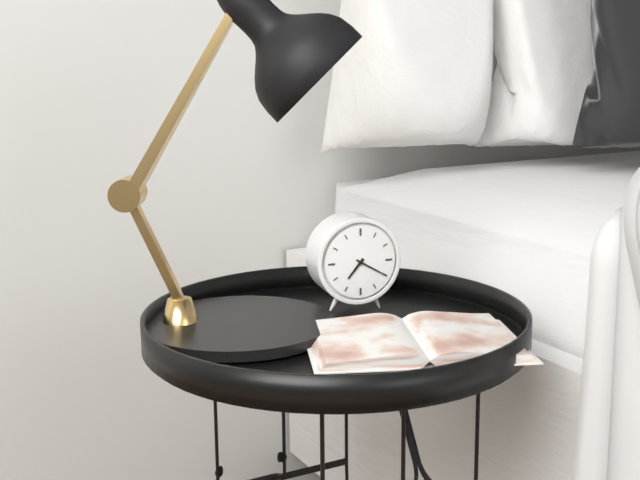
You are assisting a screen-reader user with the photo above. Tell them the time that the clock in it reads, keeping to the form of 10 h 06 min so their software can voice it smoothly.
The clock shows 7 h 20 min
